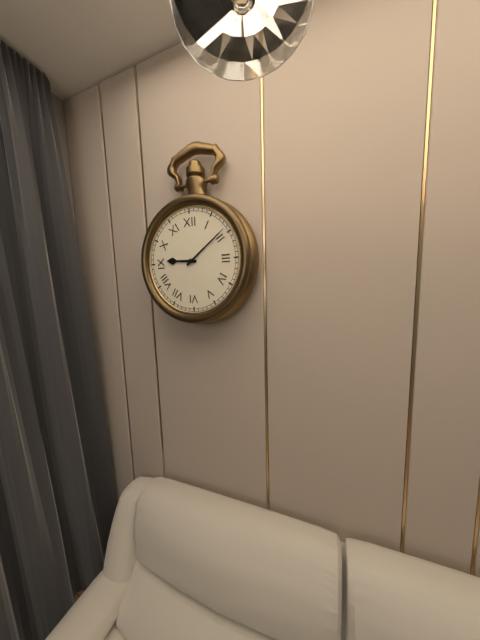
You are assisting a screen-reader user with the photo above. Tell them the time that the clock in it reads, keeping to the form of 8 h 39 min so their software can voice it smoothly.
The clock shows 9 h 09 min
